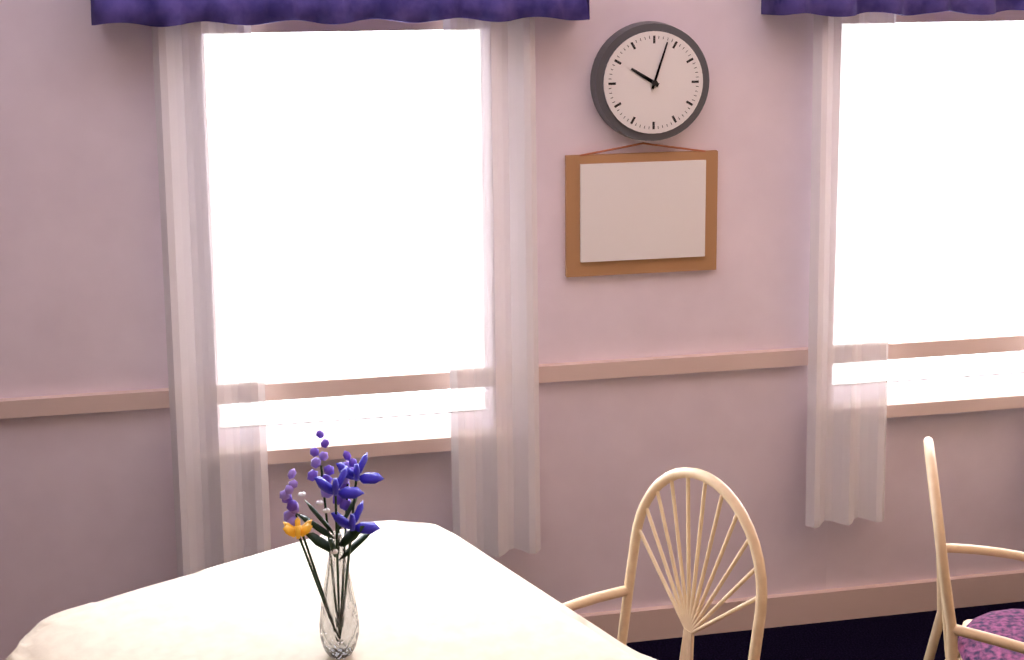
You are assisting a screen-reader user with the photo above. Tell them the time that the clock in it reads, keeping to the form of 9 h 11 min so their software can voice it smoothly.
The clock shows 10 h 03 min
